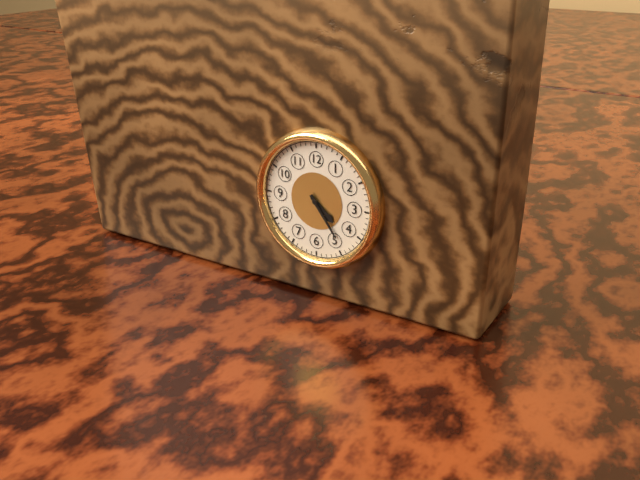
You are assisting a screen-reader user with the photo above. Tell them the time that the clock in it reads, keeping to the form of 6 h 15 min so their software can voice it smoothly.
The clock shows 4 h 24 min
